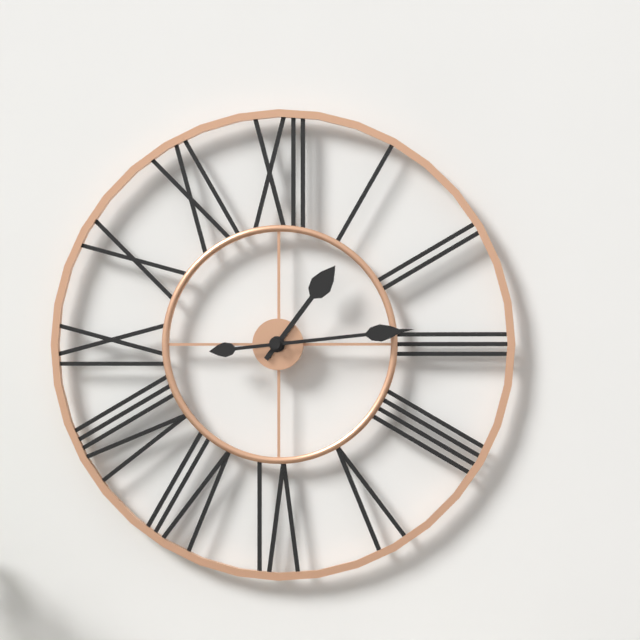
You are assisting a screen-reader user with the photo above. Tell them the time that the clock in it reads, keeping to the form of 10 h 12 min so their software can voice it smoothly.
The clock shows 1 h 14 min
